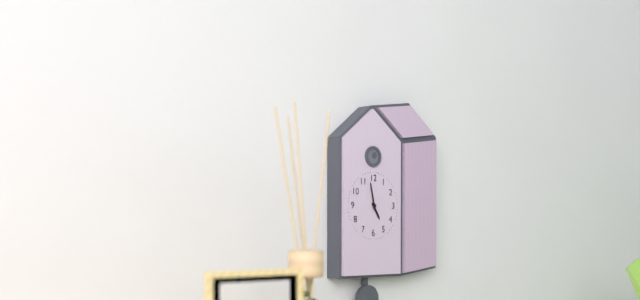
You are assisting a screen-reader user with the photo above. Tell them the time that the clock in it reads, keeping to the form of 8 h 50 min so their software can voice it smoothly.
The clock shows 4 h 58 min
